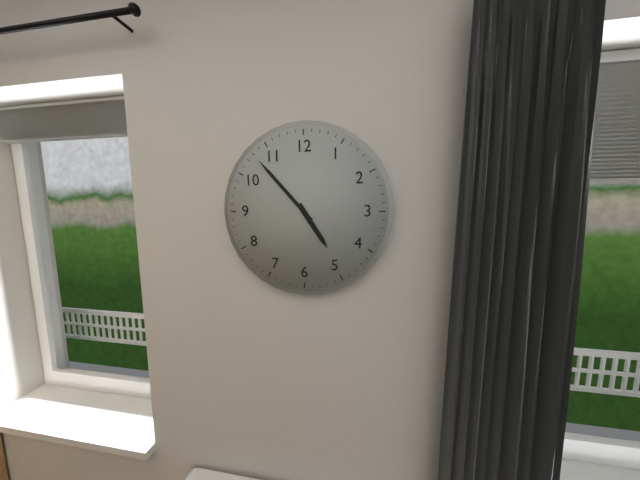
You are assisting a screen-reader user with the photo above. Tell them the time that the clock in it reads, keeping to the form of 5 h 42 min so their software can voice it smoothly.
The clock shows 4 h 53 min
